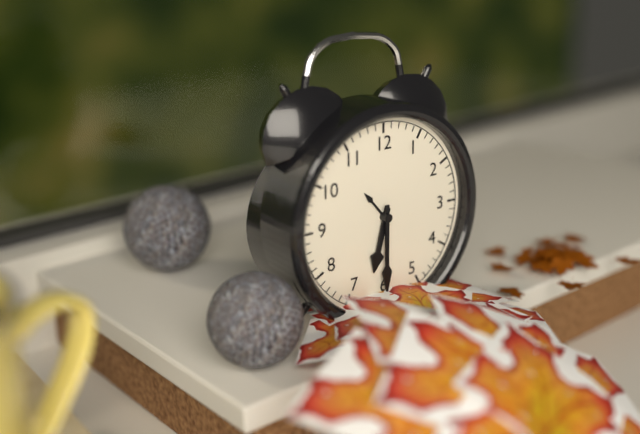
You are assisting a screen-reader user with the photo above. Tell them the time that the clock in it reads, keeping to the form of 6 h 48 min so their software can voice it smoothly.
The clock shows 6 h 30 min
